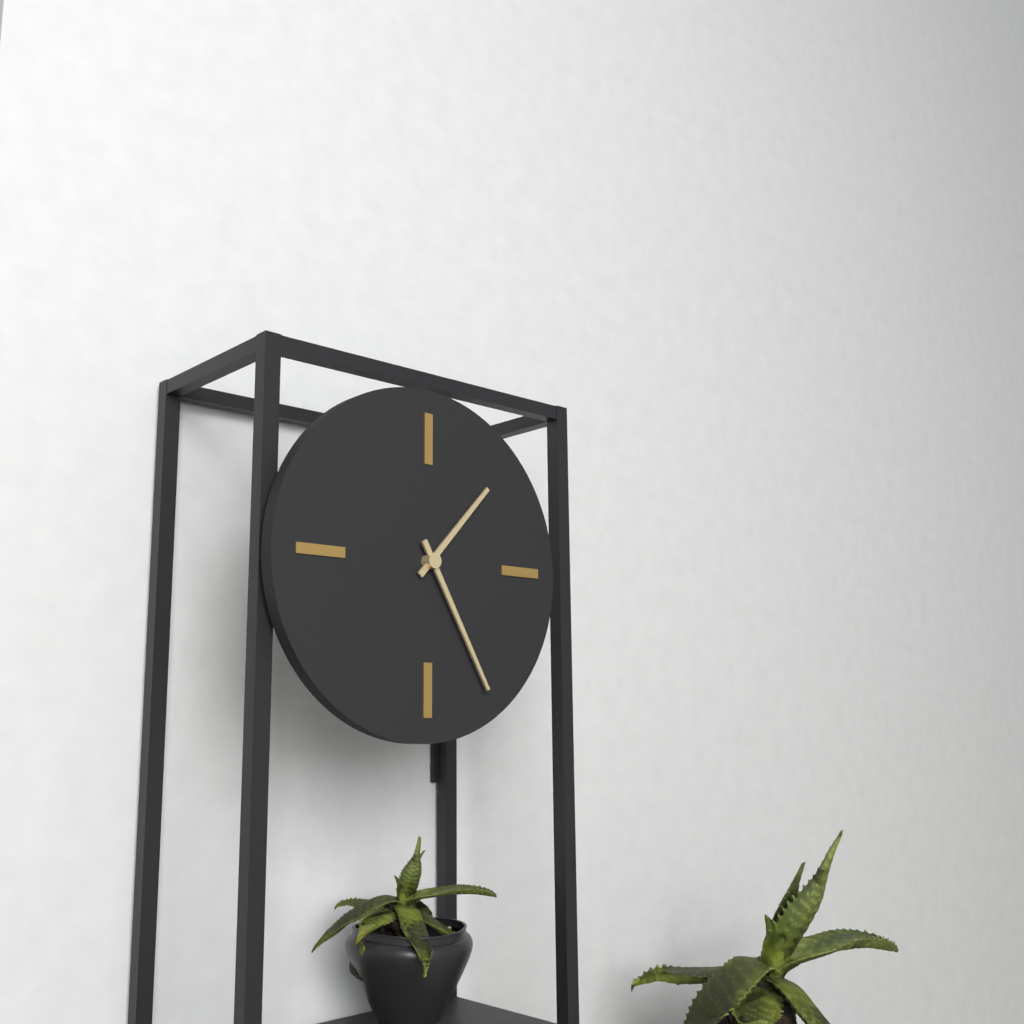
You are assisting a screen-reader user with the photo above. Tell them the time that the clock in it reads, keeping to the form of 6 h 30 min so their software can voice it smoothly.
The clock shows 1 h 25 min
